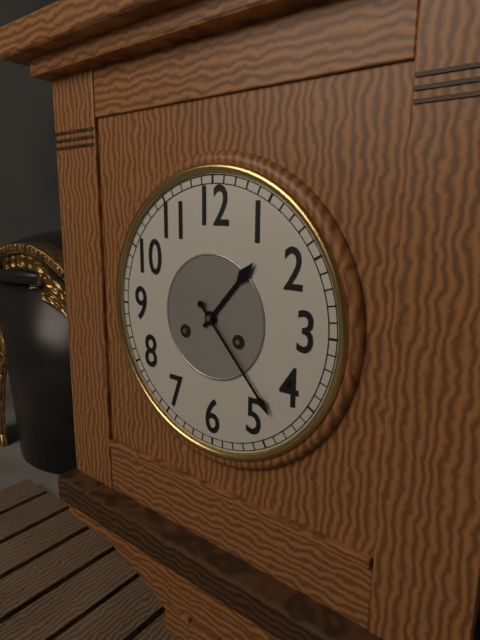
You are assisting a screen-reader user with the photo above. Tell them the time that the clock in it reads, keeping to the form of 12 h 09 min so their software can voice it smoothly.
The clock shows 1 h 23 min
